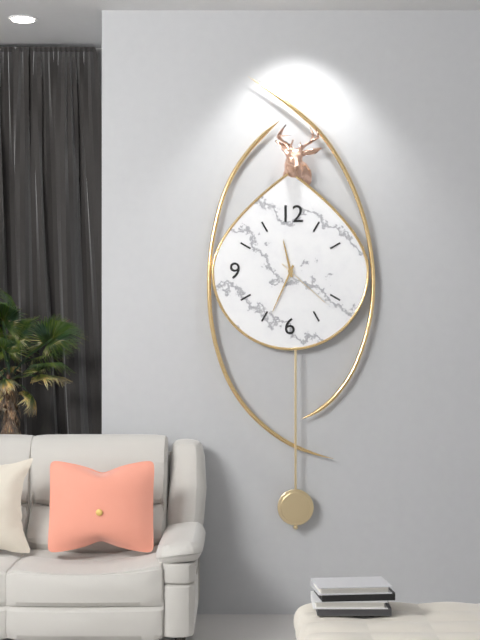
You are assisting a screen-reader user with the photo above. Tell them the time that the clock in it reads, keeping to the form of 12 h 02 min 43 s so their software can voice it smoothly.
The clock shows 11 h 34 min 22 s
